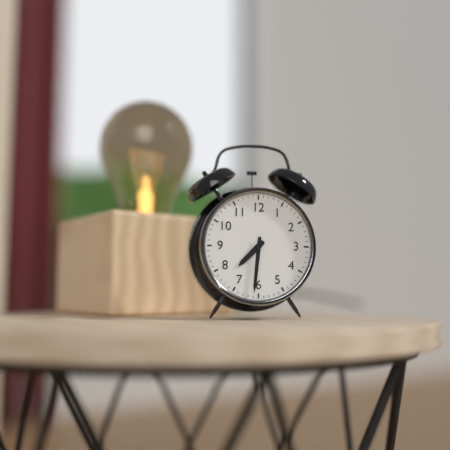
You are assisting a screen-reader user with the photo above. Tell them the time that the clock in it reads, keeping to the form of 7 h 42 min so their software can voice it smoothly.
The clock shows 7 h 31 min
